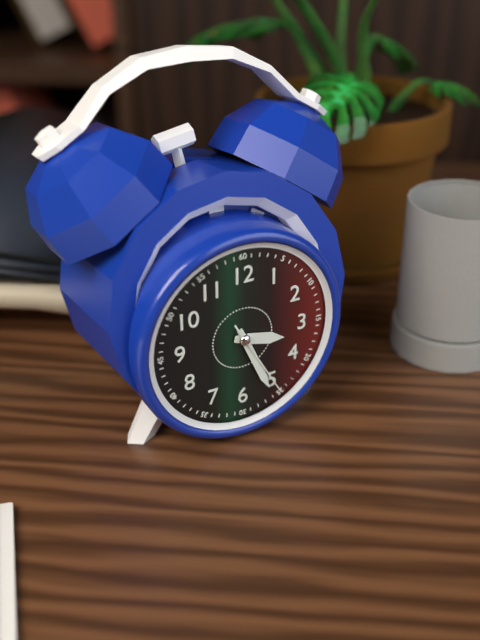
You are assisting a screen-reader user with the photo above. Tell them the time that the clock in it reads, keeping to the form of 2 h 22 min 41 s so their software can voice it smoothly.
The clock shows 3 h 26 min 25 s
